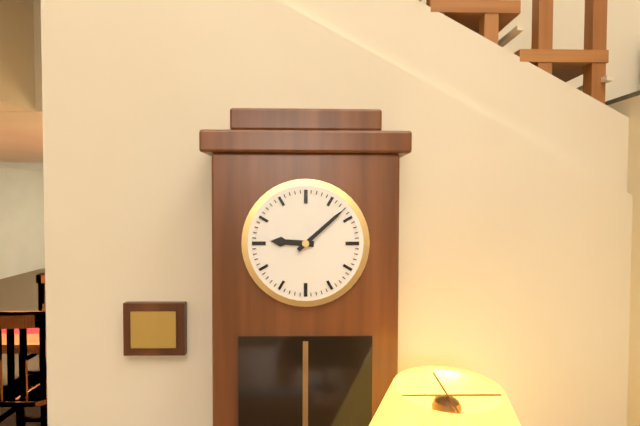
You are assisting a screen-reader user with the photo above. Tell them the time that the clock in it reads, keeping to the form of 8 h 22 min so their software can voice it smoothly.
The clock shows 9 h 08 min
